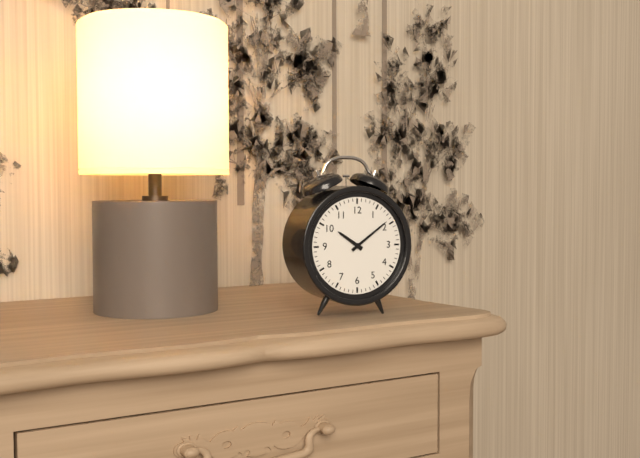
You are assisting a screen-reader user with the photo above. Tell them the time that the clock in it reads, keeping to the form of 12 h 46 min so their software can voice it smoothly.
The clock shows 10 h 09 min
